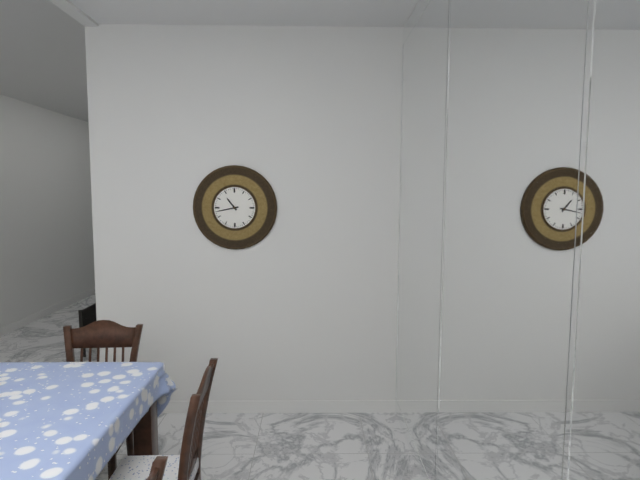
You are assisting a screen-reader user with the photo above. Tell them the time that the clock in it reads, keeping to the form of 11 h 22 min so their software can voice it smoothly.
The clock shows 10 h 43 min
